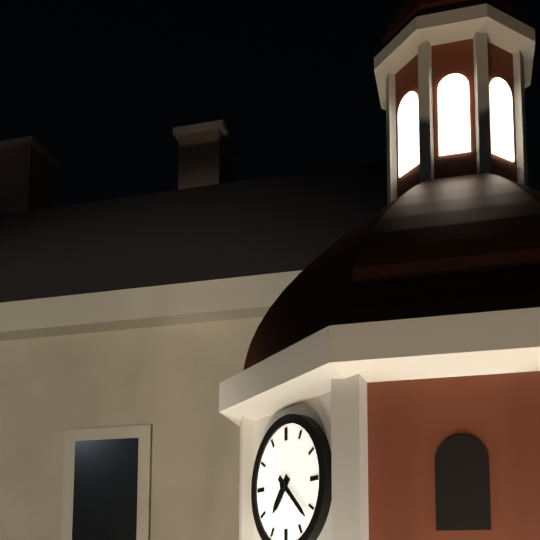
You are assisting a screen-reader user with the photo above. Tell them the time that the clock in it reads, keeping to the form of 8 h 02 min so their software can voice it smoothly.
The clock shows 7 h 22 min
